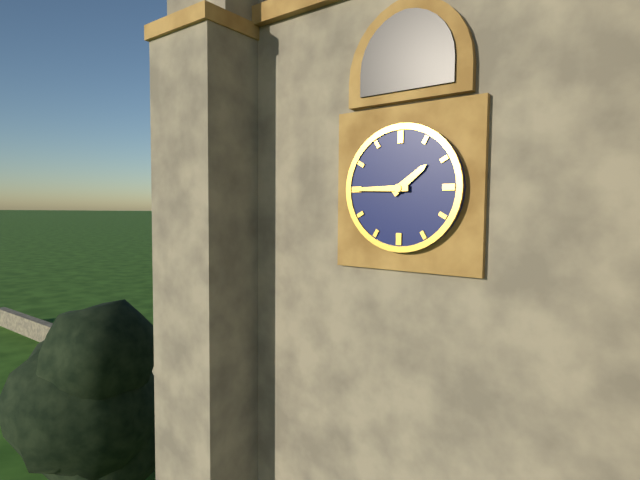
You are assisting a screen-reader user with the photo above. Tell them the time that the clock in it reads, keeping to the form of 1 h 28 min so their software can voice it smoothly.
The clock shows 1 h 45 min
